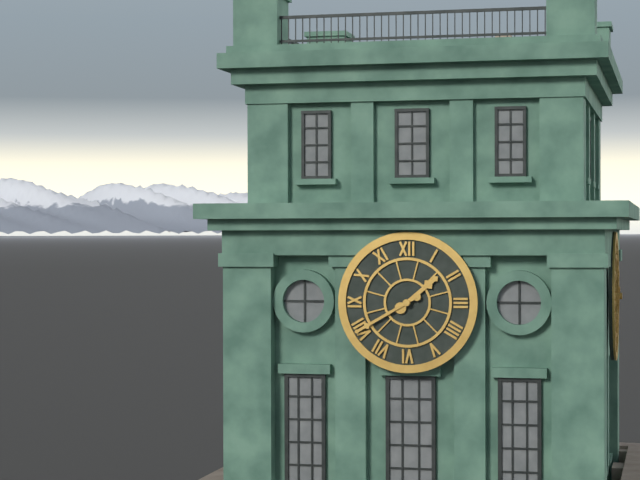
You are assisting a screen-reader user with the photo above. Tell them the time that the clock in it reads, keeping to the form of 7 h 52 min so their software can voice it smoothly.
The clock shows 1 h 40 min
